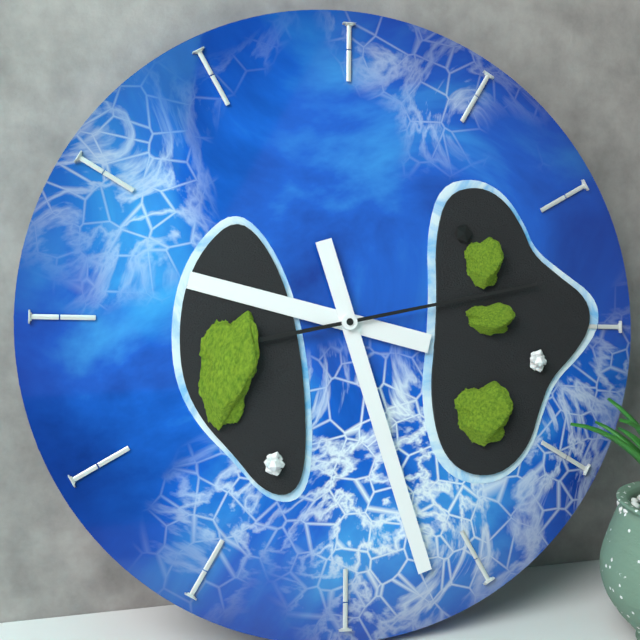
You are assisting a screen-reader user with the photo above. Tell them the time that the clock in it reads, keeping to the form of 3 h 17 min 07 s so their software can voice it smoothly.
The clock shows 9 h 27 min 13 s
